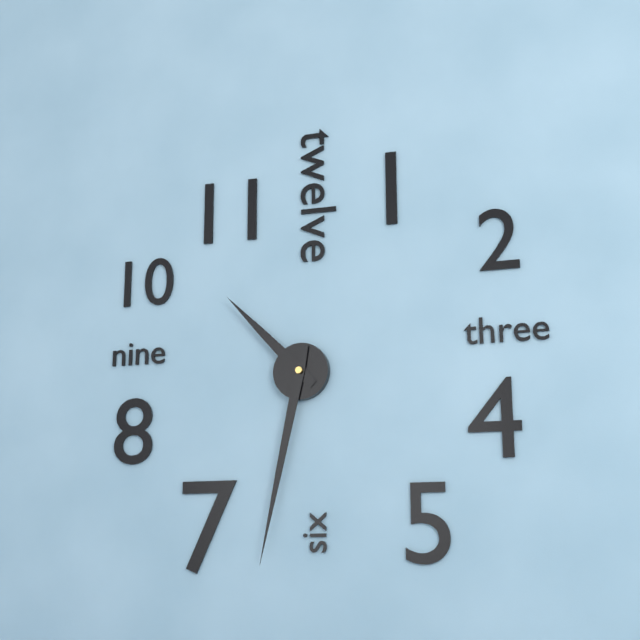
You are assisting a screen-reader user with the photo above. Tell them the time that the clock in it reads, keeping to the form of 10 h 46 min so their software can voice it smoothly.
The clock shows 10 h 32 min
